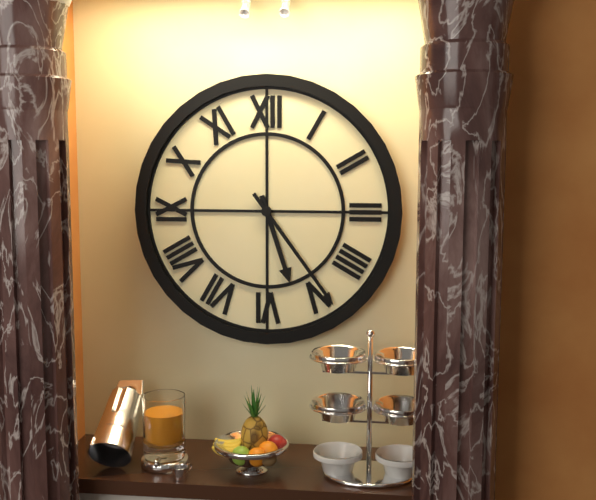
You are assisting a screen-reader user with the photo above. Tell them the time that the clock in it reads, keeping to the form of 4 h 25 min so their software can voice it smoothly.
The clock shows 5 h 24 min
